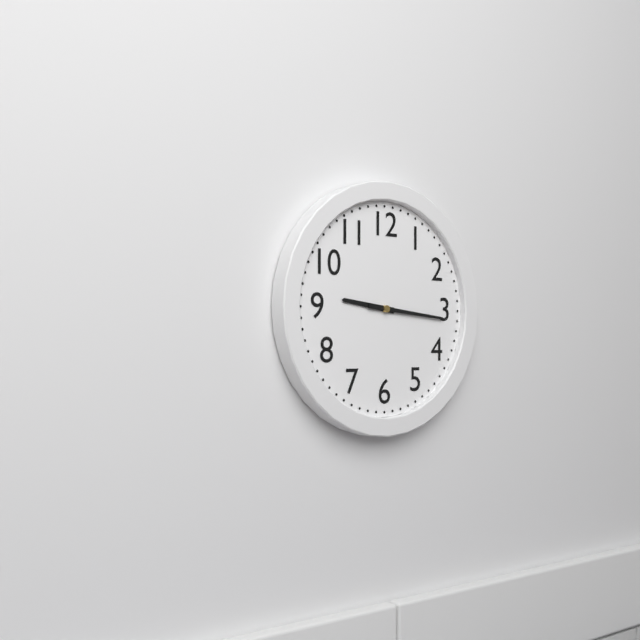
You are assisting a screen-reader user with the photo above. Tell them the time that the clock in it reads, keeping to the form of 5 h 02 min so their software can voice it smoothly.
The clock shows 9 h 16 min
